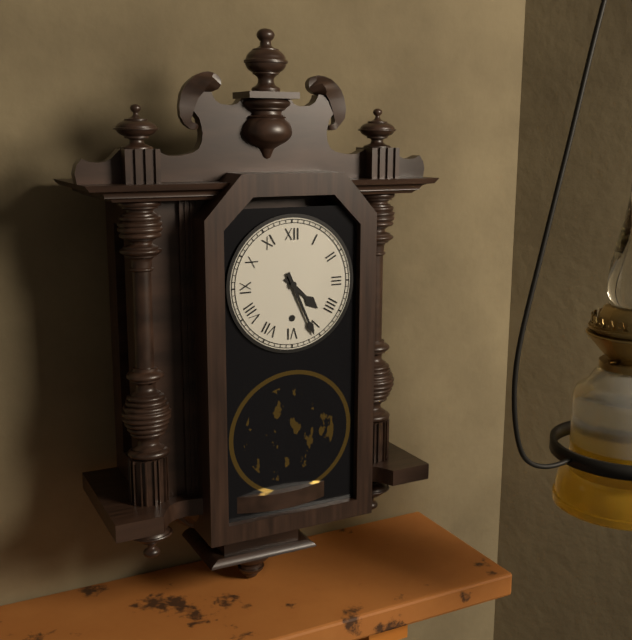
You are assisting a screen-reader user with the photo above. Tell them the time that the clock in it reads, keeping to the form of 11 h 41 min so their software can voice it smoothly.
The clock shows 4 h 26 min
